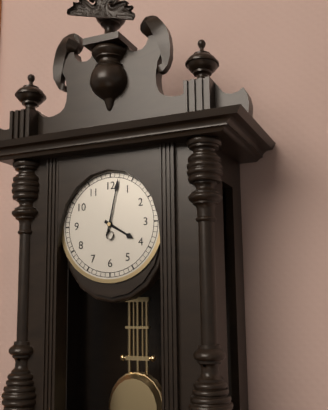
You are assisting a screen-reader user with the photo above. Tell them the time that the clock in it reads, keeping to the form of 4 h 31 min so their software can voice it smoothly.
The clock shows 4 h 02 min
